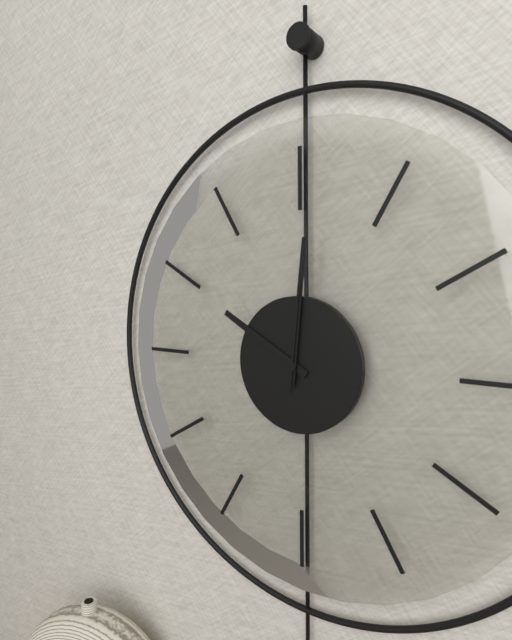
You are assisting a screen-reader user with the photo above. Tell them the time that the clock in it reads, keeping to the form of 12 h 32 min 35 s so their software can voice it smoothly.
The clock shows 10 h 01 min 01 s
